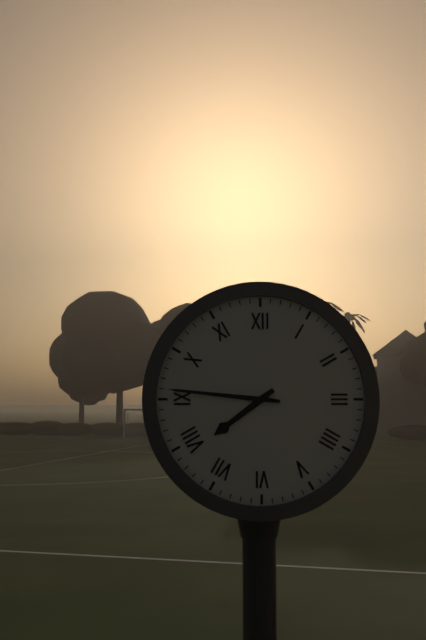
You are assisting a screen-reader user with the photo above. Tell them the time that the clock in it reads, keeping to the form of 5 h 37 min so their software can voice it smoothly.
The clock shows 7 h 46 min
